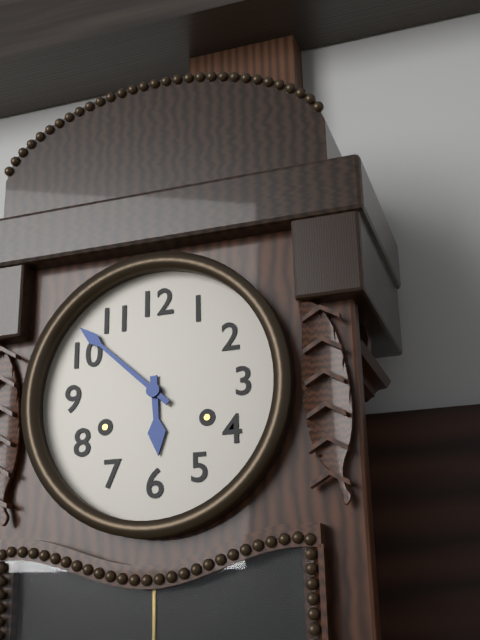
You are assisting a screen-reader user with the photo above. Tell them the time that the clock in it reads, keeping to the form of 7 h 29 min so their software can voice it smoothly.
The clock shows 5 h 52 min
